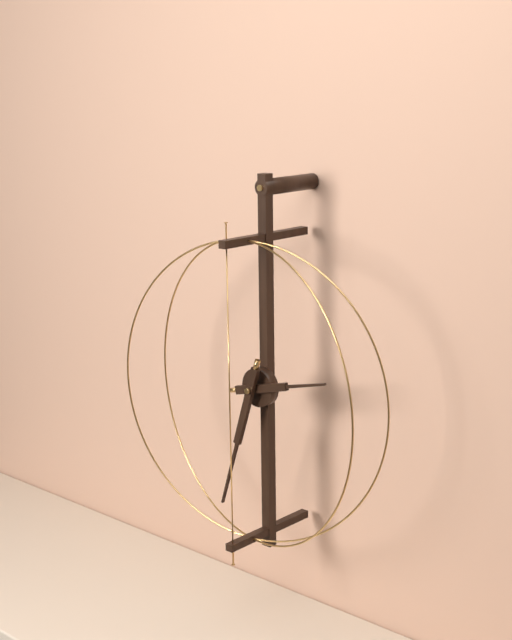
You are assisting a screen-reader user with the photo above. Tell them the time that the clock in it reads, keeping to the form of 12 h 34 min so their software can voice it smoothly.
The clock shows 2 h 33 min
